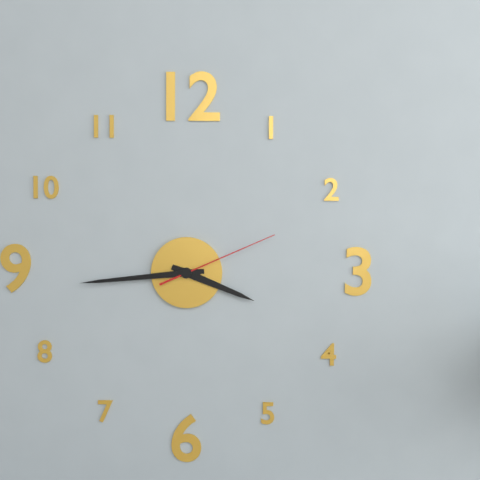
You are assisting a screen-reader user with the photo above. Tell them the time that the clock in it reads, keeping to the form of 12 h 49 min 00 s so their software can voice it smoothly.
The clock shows 3 h 44 min 11 s
